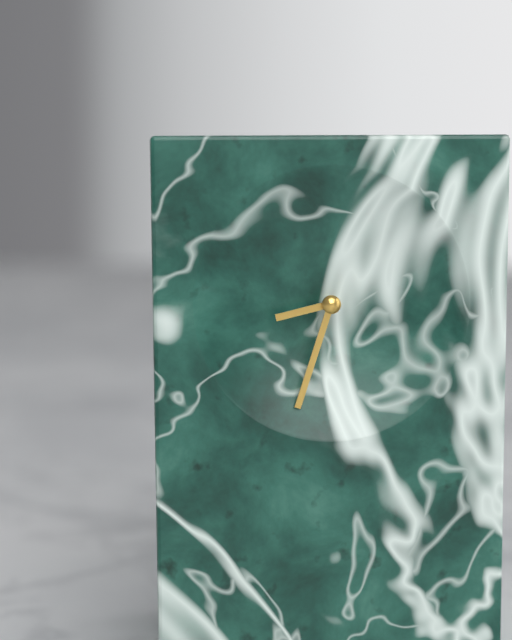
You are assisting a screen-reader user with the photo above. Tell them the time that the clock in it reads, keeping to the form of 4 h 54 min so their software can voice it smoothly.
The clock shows 8 h 33 min
